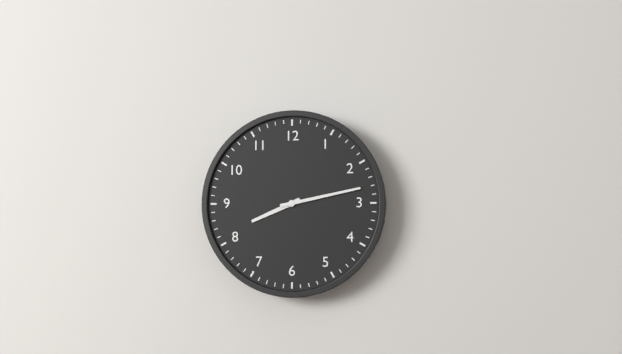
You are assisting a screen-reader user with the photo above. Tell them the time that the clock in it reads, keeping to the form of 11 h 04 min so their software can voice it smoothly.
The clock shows 8 h 13 min
